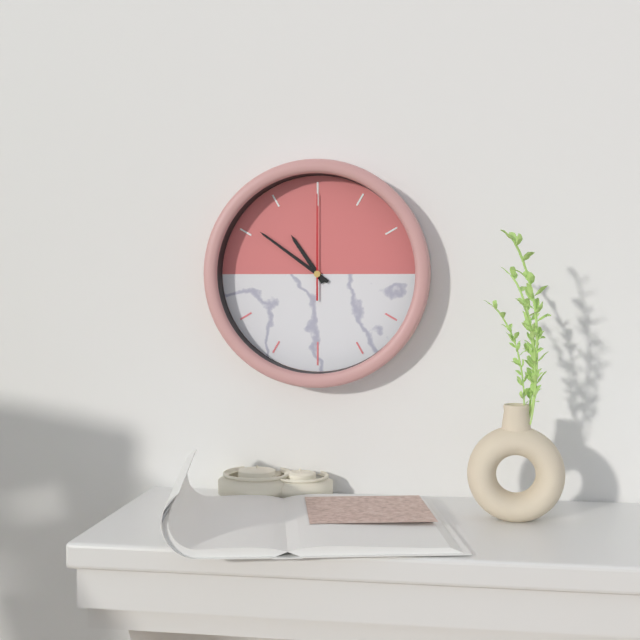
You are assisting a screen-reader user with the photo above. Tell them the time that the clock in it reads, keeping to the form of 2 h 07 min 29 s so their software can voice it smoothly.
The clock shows 10 h 51 min 00 s
